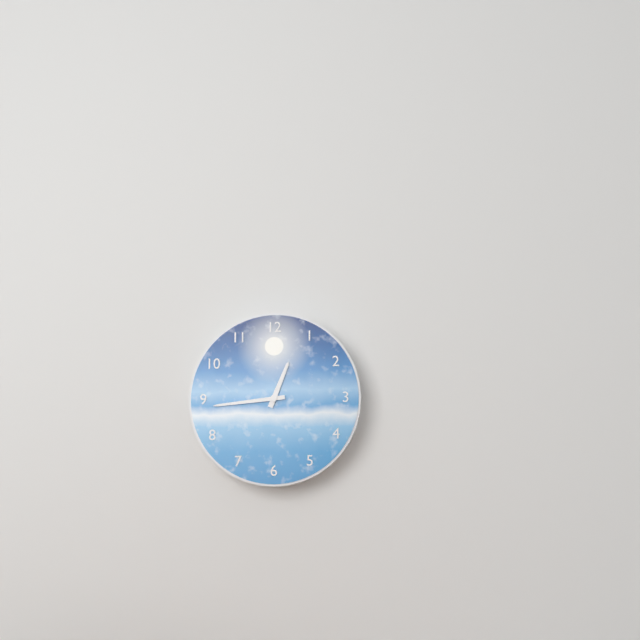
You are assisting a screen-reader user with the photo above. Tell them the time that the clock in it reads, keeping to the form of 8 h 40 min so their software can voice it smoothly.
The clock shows 12 h 44 min
